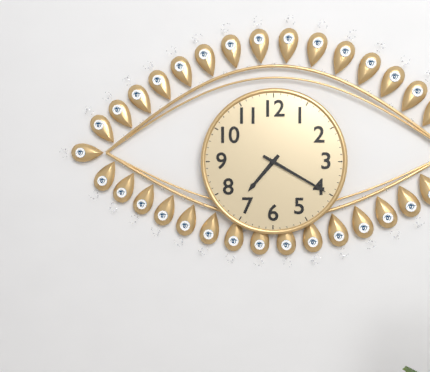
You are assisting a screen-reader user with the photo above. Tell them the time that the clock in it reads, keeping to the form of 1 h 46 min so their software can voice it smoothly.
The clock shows 7 h 20 min
